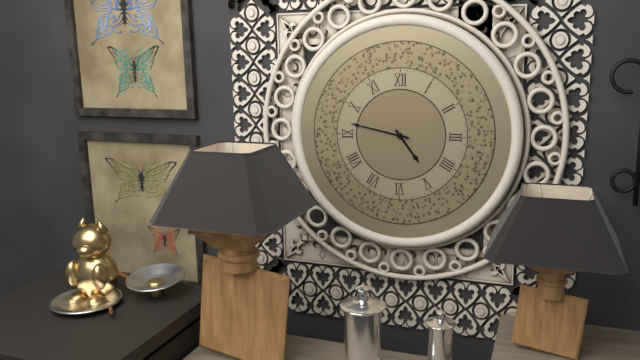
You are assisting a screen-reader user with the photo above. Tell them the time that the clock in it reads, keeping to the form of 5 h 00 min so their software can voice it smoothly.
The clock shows 4 h 47 min
